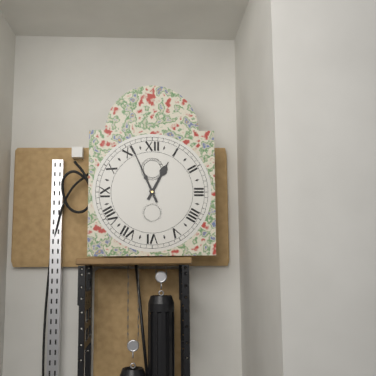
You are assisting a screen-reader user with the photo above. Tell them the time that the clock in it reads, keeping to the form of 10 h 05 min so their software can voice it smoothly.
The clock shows 12 h 56 min
